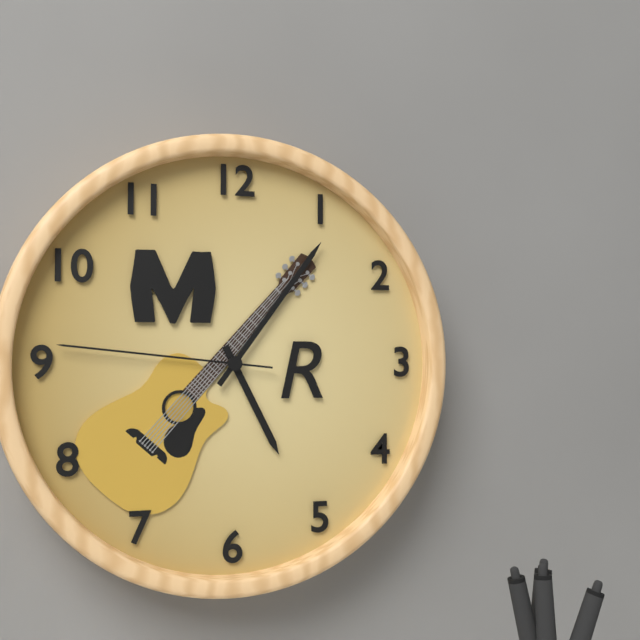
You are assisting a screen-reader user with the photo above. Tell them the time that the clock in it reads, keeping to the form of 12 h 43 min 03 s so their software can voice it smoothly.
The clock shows 5 h 06 min 46 s
